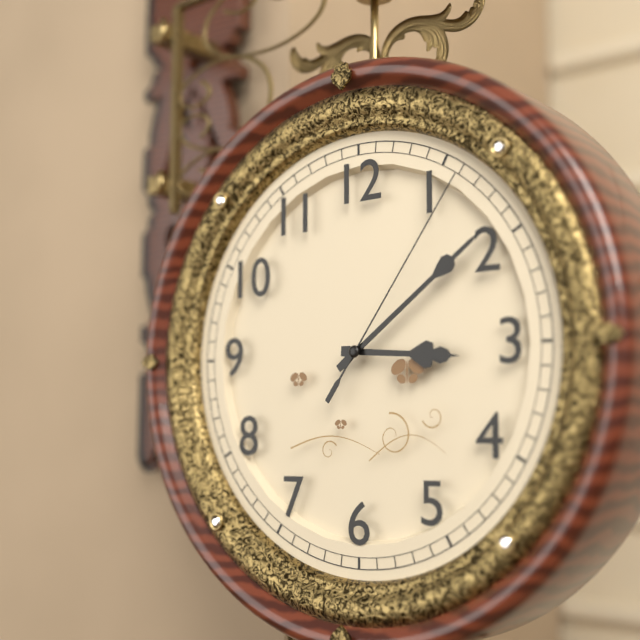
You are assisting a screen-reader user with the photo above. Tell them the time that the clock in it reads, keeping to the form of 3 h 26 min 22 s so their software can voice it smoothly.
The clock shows 3 h 09 min 06 s
